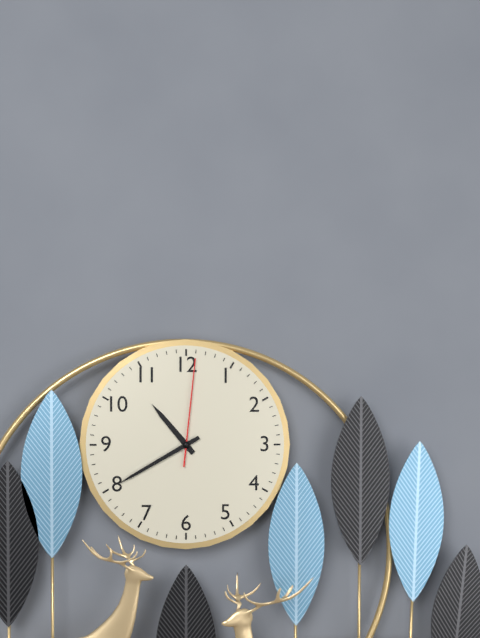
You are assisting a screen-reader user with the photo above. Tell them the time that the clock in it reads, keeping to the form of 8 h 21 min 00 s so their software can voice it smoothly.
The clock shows 10 h 40 min 01 s
